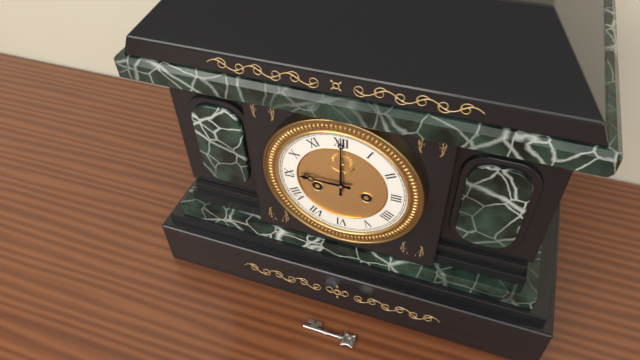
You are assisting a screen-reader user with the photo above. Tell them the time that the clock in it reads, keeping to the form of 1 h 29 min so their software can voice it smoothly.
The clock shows 9 h 00 min
